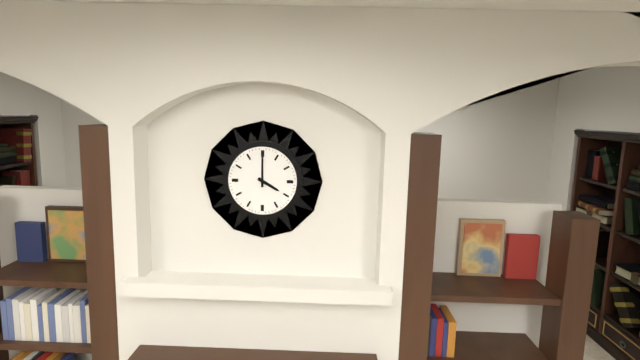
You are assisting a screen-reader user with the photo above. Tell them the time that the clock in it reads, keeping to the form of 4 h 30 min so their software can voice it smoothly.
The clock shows 4 h 00 min
